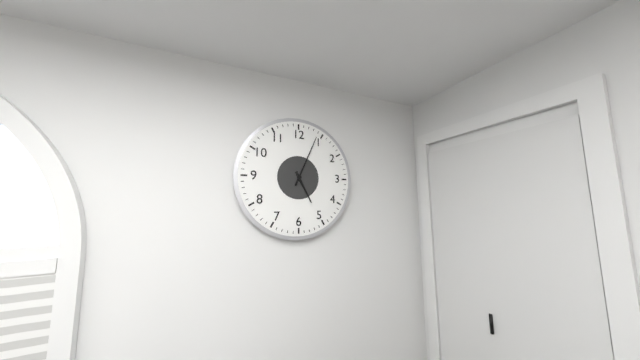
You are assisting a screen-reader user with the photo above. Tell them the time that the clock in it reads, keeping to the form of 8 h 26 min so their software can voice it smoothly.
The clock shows 5 h 04 min
